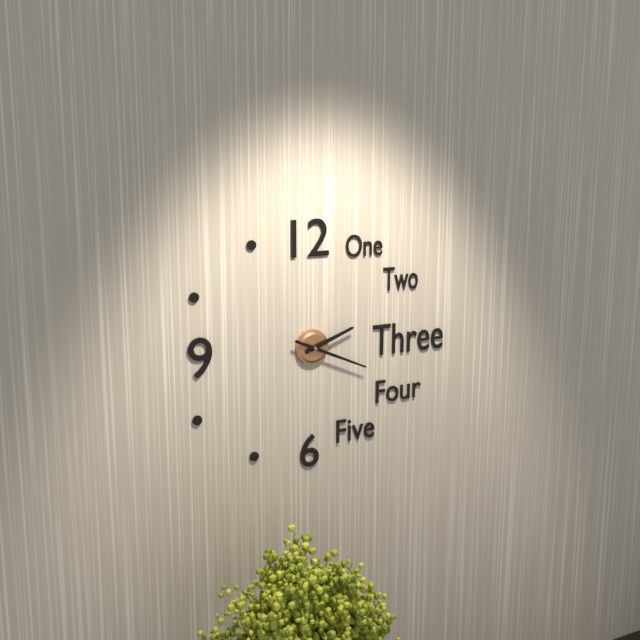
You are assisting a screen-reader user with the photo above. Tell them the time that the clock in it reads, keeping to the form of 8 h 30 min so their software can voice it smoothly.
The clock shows 2 h 19 min
